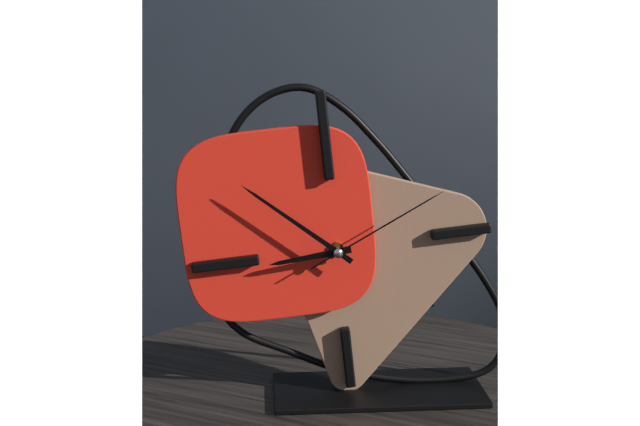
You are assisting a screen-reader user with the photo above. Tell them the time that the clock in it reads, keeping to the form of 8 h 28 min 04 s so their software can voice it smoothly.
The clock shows 8 h 52 min 11 s
